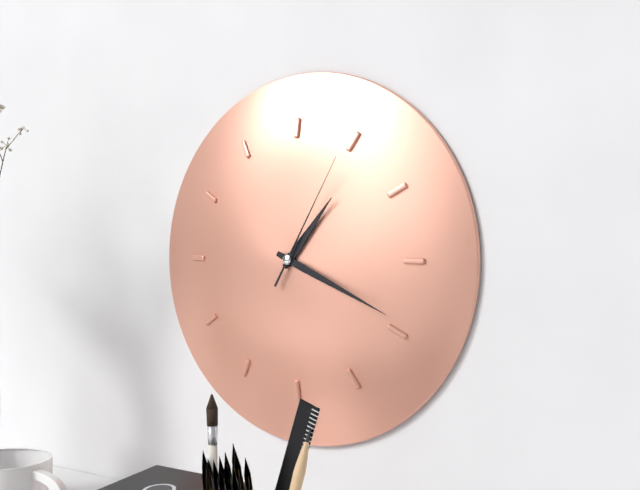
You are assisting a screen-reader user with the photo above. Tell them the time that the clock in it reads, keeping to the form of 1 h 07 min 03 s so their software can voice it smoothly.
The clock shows 1 h 19 min 05 s
